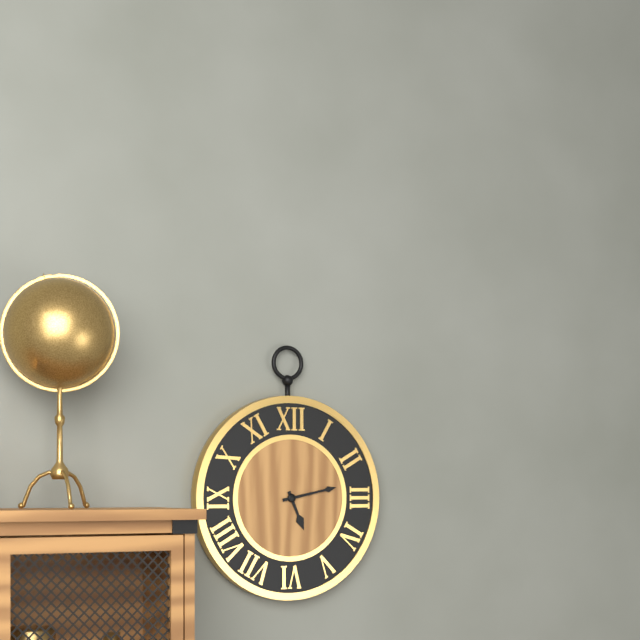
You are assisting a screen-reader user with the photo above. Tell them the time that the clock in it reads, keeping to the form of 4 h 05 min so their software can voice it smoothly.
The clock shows 5 h 13 min
